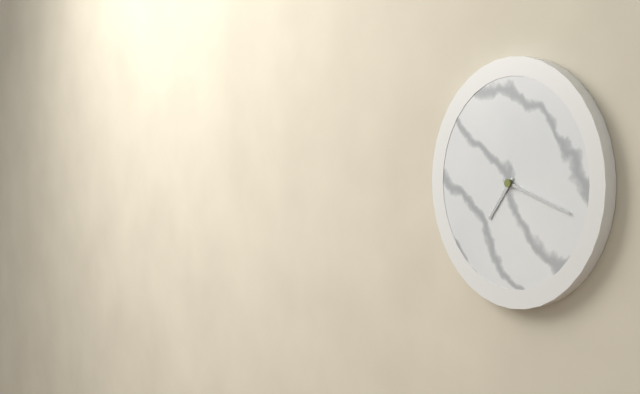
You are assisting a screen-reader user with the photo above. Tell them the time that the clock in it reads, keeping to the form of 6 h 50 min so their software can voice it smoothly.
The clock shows 7 h 18 min
